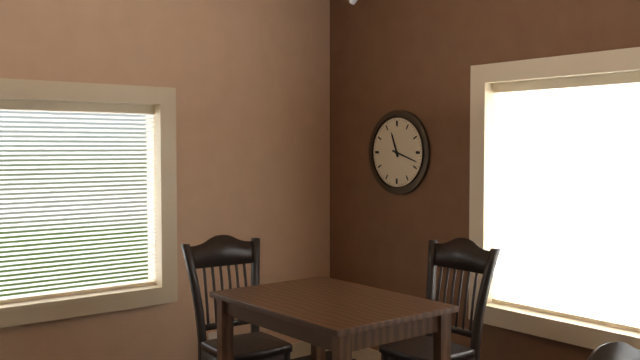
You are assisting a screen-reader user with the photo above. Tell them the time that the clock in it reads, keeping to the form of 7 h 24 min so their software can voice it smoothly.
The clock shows 11 h 18 min
